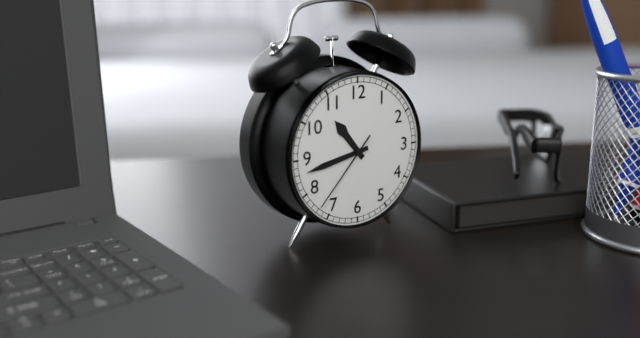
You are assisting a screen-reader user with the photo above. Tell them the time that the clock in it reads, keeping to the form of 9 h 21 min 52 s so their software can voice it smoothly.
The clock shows 10 h 43 min 37 s
